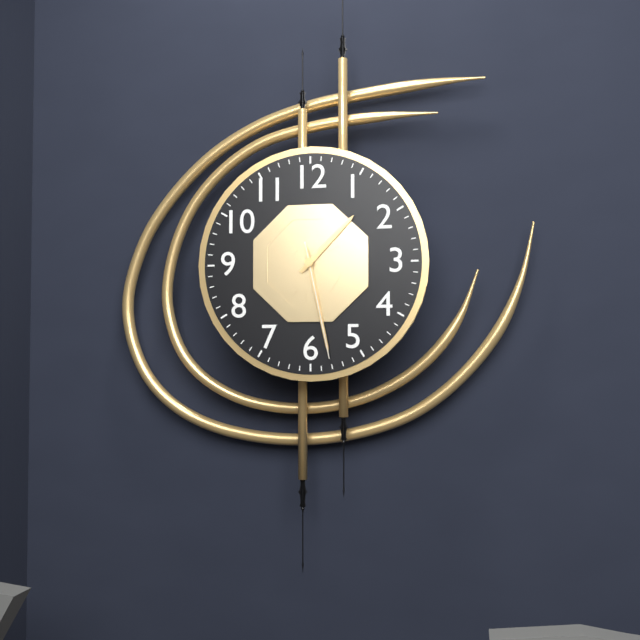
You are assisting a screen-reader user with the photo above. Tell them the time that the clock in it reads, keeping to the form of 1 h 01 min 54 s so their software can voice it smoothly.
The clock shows 1 h 28 min 28 s
